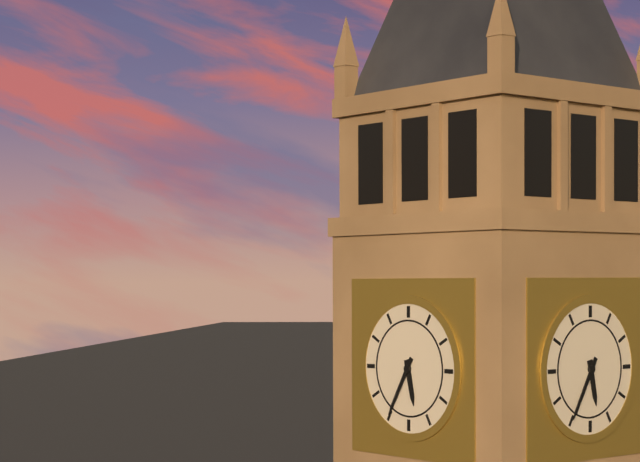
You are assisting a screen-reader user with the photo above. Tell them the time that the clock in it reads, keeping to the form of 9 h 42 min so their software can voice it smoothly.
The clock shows 5 h 35 min
